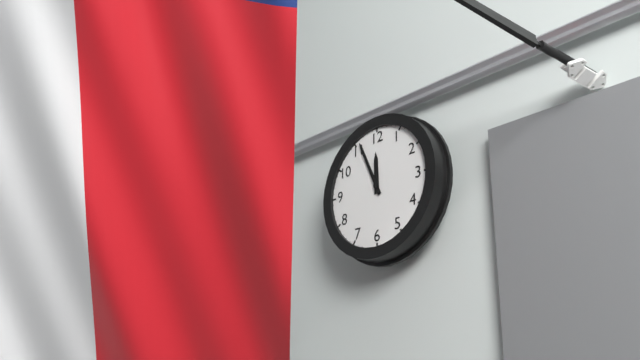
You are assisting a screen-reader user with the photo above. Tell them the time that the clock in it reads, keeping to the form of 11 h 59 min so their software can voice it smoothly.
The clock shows 11 h 56 min
